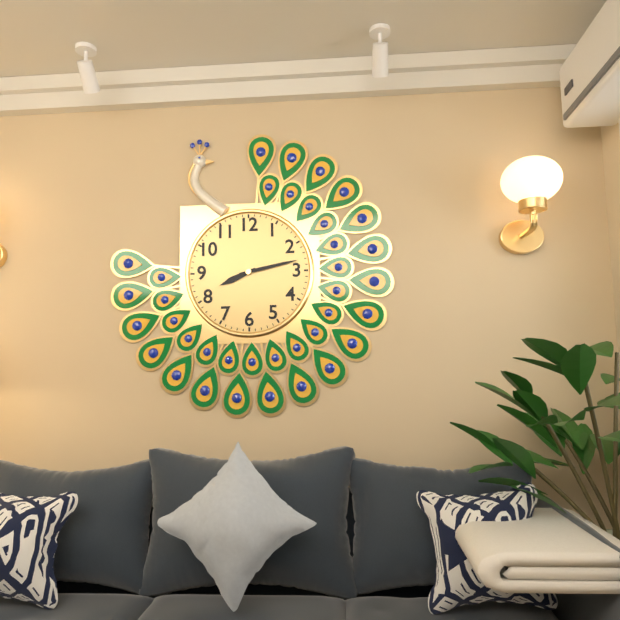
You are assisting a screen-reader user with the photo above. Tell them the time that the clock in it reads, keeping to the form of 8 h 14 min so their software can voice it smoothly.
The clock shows 8 h 13 min
